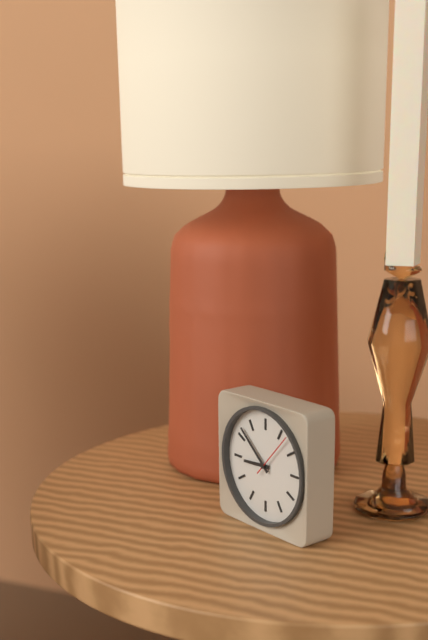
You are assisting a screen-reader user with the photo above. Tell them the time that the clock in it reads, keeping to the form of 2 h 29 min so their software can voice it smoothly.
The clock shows 8 h 52 min
